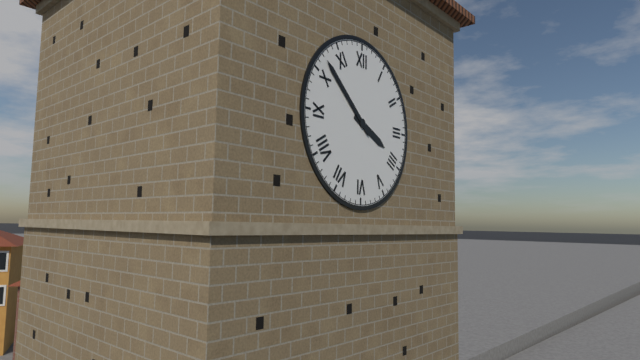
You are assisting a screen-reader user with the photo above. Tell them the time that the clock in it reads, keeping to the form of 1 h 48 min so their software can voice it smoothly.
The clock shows 3 h 52 min
